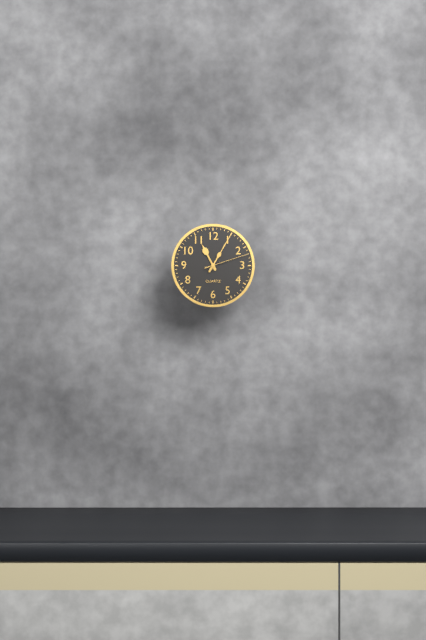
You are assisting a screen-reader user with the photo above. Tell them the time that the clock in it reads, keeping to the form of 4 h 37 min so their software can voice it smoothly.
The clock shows 11 h 05 min
